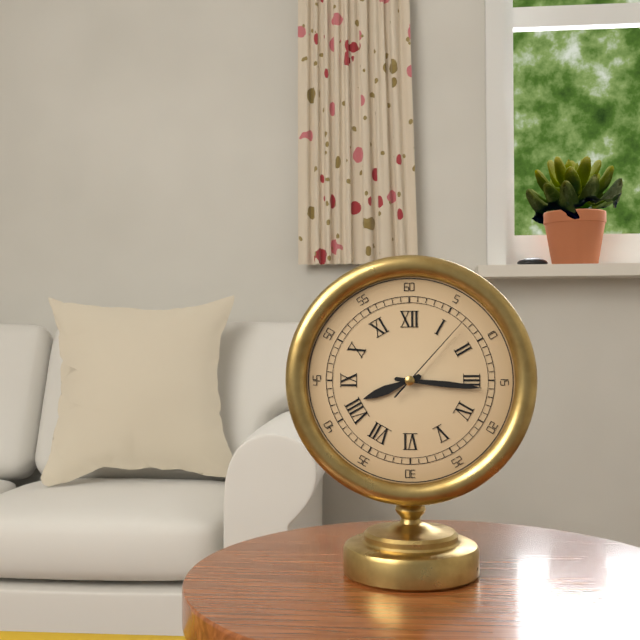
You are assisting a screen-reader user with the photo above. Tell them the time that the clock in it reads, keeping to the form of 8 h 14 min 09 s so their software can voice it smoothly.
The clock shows 8 h 16 min 07 s
